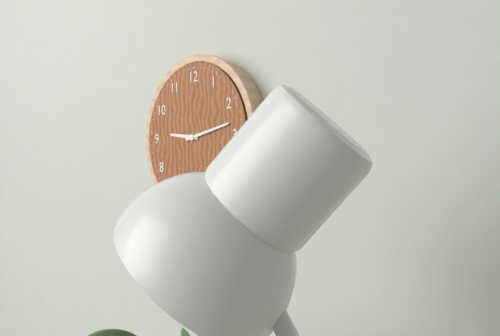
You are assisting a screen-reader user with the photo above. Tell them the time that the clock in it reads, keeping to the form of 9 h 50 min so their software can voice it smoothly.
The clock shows 9 h 13 min
